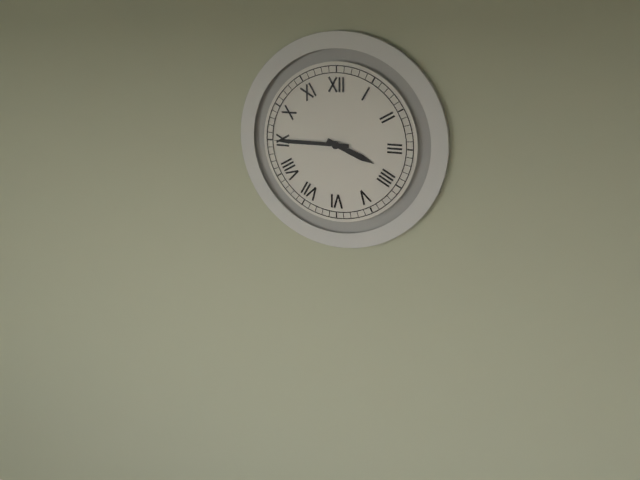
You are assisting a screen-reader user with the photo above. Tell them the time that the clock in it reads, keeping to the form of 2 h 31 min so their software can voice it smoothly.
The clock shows 3 h 45 min
